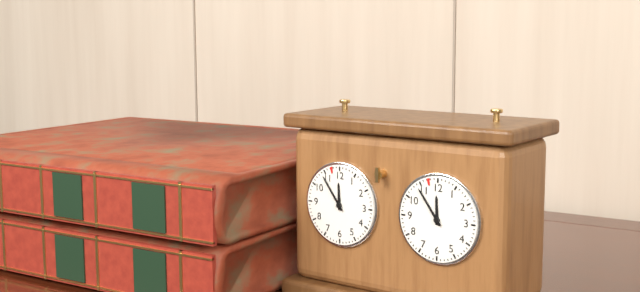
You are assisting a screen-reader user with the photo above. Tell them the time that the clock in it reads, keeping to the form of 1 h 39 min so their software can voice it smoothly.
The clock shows 11 h 54 min
